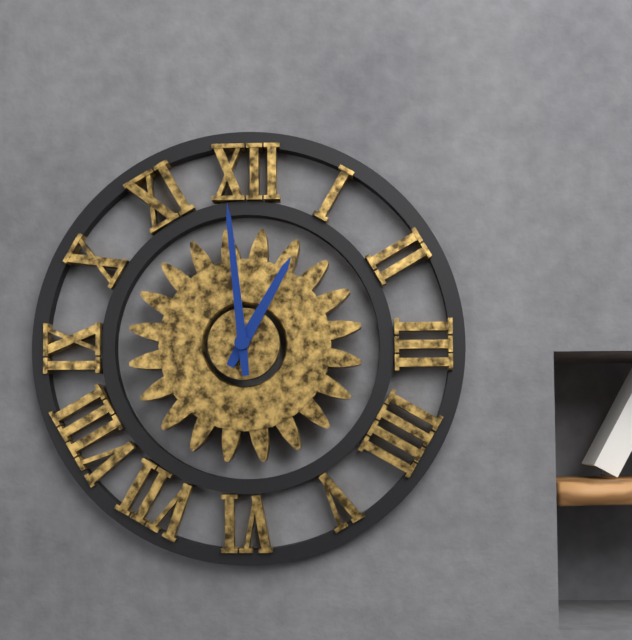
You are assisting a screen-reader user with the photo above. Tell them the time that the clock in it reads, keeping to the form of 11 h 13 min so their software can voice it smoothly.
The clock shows 12 h 59 min
